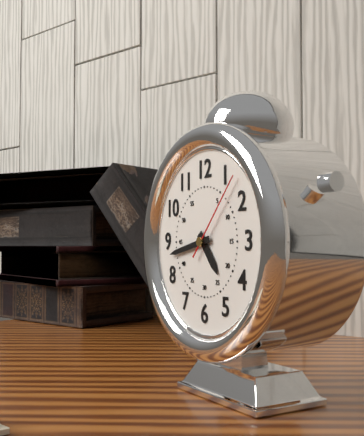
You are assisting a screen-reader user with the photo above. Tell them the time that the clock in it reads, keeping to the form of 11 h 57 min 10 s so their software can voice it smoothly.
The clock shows 4 h 43 min 07 s
